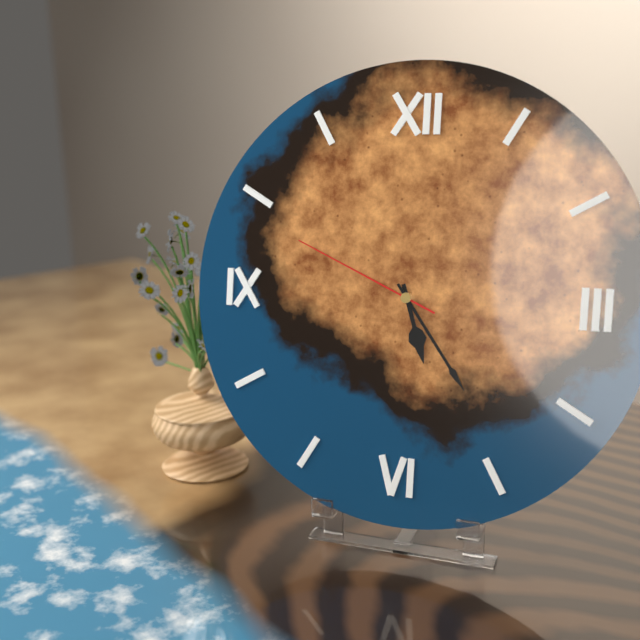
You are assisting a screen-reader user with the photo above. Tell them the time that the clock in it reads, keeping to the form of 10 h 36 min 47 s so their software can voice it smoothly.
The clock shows 5 h 24 min 49 s
